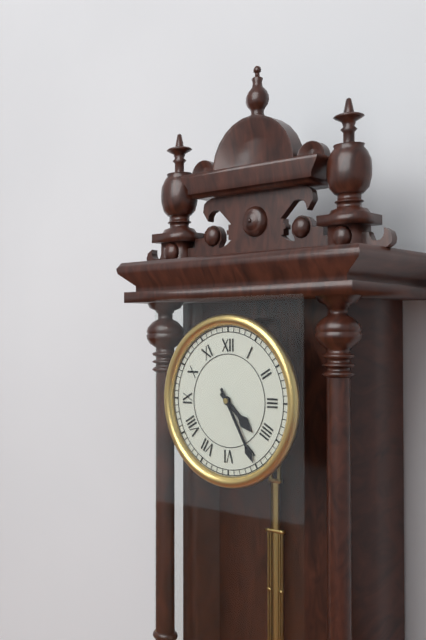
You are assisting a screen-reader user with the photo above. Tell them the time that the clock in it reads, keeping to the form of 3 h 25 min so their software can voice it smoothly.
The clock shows 4 h 25 min
